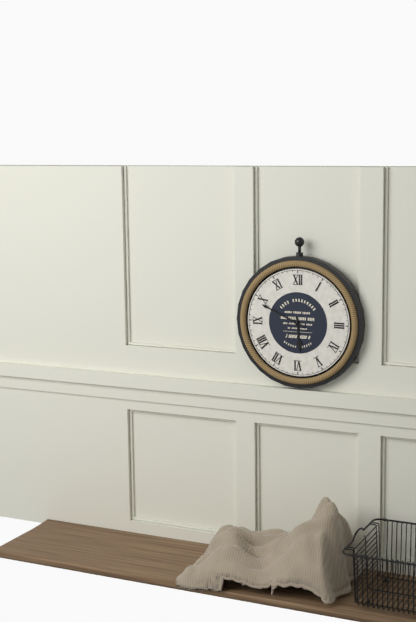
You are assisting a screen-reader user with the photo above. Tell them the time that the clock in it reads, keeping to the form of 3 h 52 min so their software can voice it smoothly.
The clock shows 5 h 49 min
